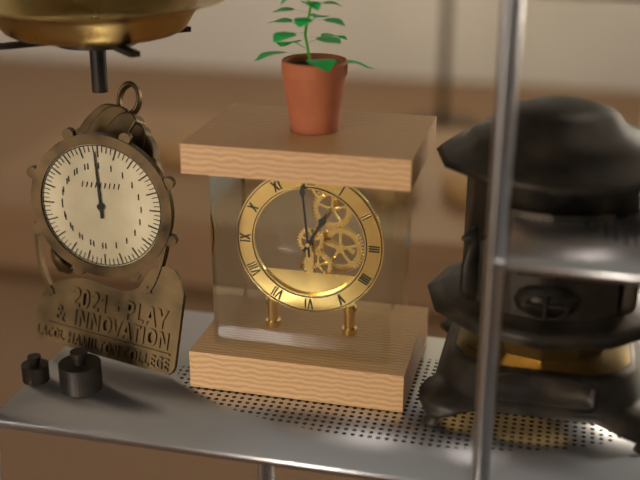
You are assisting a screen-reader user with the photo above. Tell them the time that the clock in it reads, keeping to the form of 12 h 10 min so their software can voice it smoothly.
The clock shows 12 h 59 min
